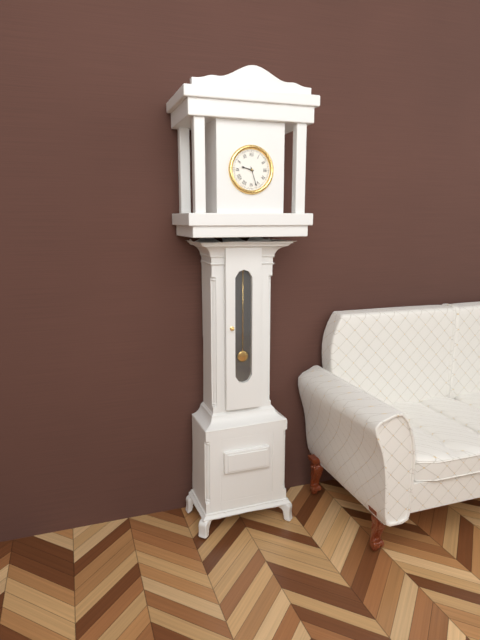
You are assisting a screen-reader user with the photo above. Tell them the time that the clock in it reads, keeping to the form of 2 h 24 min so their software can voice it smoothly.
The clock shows 9 h 27 min
